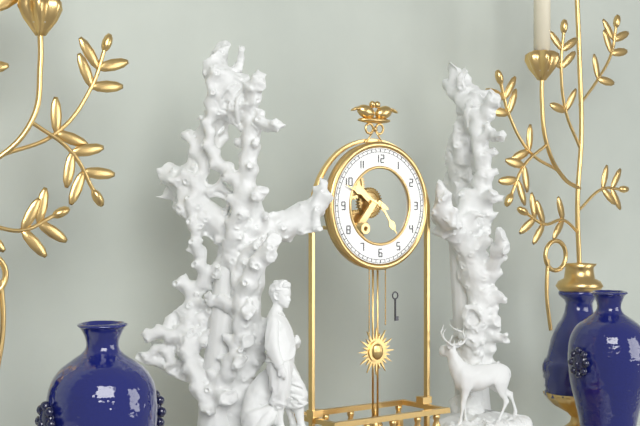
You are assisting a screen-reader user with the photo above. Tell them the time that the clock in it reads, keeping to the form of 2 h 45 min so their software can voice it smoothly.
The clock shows 4 h 49 min
